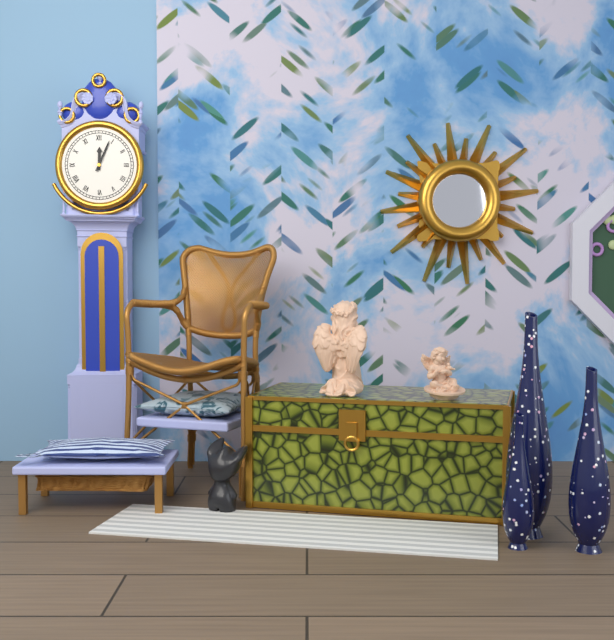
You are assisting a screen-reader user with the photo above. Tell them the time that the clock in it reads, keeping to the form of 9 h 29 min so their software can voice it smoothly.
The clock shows 12 h 04 min
